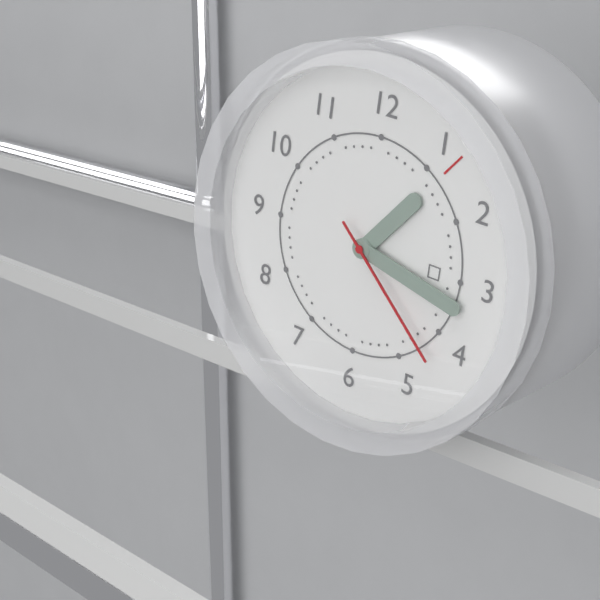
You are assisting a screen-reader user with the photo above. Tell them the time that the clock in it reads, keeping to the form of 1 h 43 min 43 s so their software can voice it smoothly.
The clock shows 1 h 17 min 22 s
